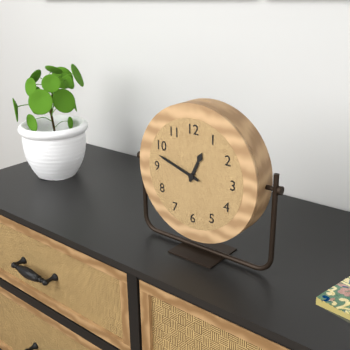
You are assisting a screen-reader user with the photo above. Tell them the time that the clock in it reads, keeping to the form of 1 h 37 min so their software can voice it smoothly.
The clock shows 12 h 48 min
